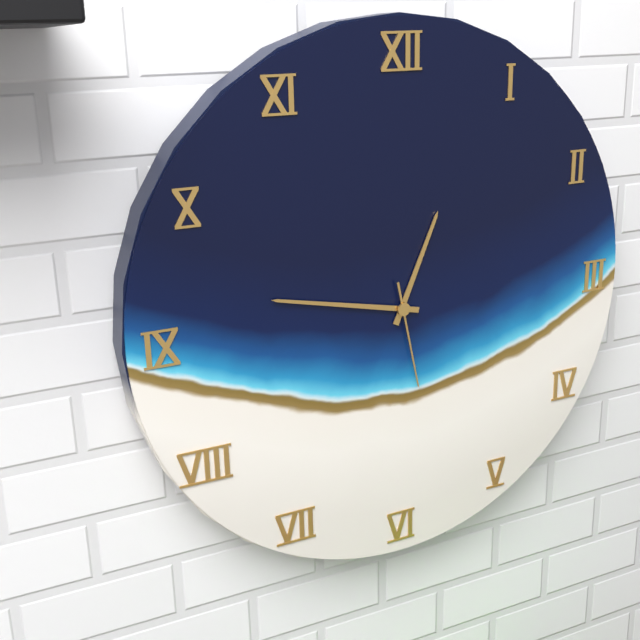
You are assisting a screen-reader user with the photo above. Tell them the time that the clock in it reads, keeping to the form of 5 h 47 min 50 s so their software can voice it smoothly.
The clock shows 12 h 47 min 28 s
